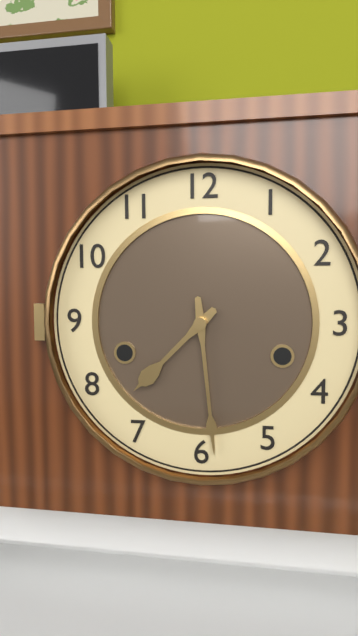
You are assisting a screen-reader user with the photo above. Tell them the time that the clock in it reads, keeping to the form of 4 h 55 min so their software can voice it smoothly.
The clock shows 7 h 29 min
